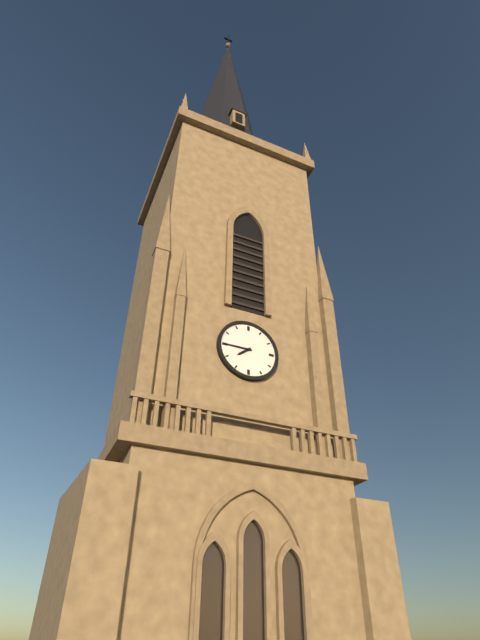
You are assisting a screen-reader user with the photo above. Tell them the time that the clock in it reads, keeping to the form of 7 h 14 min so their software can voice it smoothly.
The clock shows 7 h 45 min
